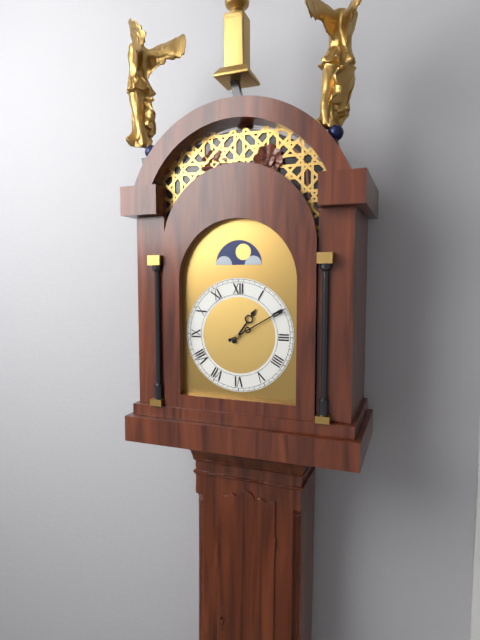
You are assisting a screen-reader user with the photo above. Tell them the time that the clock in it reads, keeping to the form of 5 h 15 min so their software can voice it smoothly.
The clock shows 1 h 10 min
